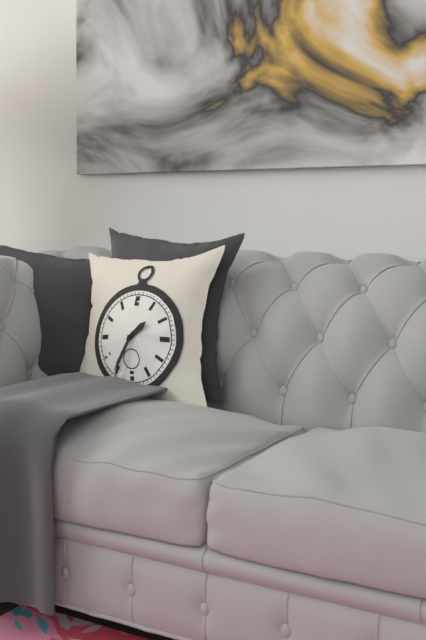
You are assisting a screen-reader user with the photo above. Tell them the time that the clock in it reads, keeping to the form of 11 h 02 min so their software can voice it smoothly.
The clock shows 1 h 34 min
